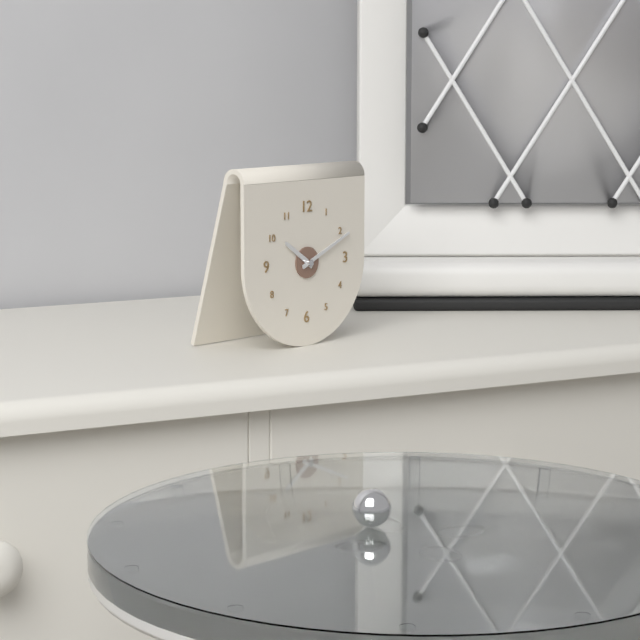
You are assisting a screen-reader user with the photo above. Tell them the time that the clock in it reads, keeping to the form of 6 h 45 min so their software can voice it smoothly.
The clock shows 10 h 11 min
